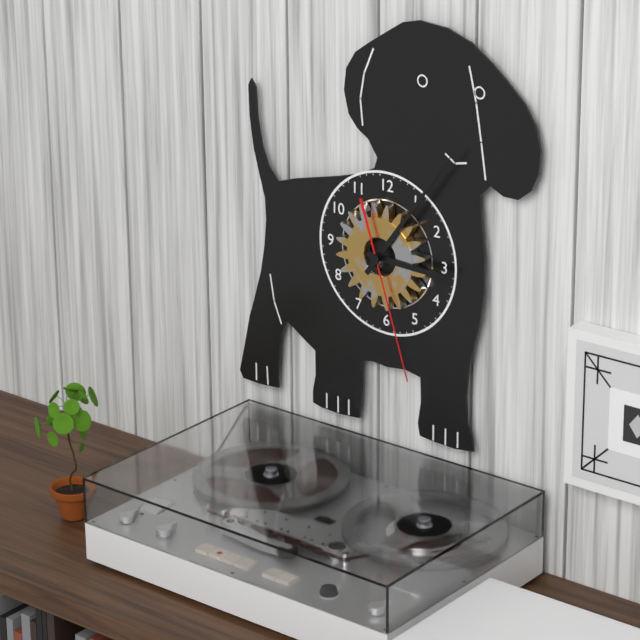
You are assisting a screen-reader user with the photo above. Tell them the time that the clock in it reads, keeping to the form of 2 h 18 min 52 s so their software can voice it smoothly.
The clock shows 3 h 06 min 27 s
